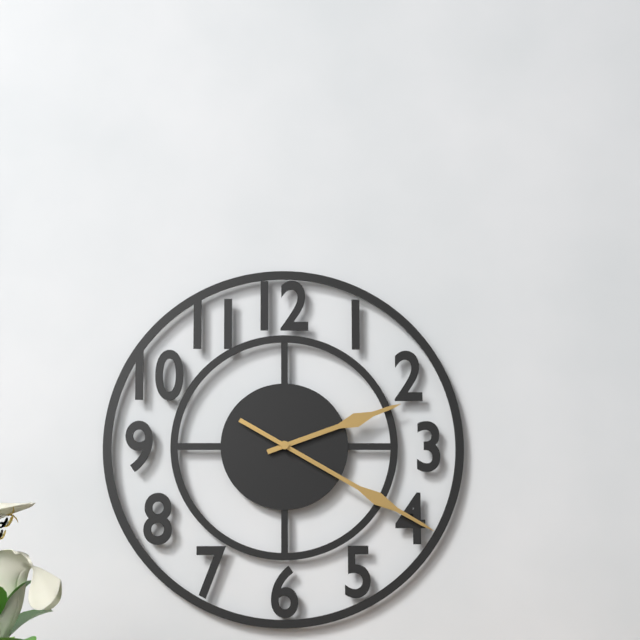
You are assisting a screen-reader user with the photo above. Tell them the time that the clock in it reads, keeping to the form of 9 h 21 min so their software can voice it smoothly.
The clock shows 2 h 20 min
